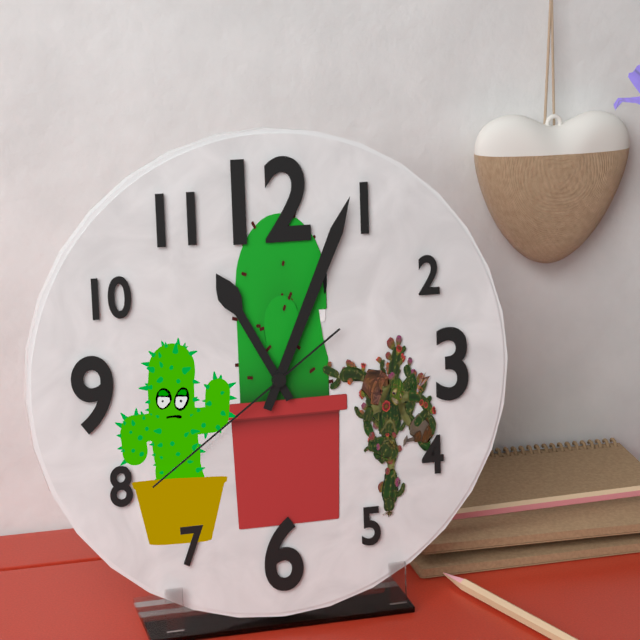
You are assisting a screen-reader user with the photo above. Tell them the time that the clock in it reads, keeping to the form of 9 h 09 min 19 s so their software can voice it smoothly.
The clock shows 11 h 04 min 39 s
